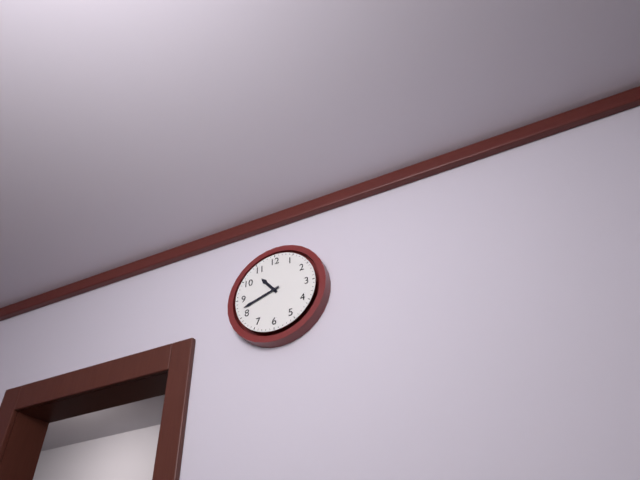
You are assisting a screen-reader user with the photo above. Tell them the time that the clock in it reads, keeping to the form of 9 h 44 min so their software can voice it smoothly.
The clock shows 10 h 42 min
